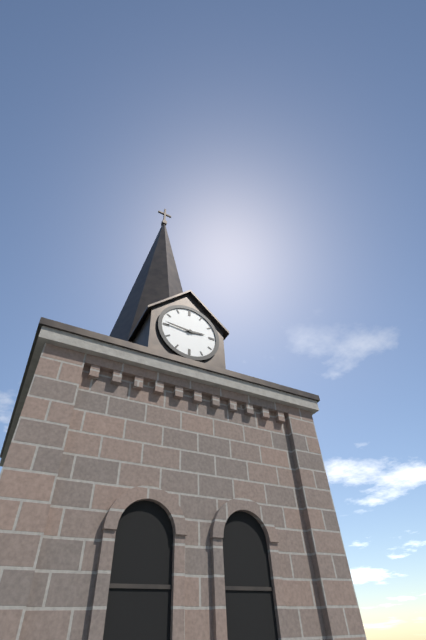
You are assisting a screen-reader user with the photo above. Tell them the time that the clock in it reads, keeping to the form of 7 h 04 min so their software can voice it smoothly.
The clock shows 2 h 46 min
